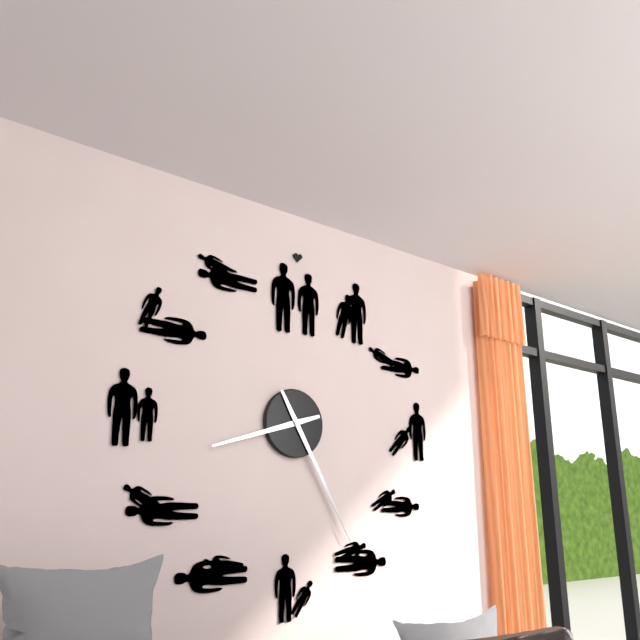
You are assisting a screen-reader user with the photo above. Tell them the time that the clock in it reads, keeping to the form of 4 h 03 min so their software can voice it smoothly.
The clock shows 8 h 25 min
